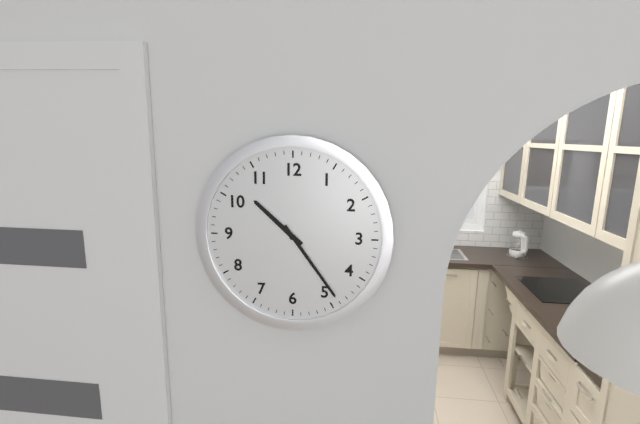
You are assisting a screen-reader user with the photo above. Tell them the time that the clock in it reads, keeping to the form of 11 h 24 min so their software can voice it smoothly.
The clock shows 10 h 24 min
